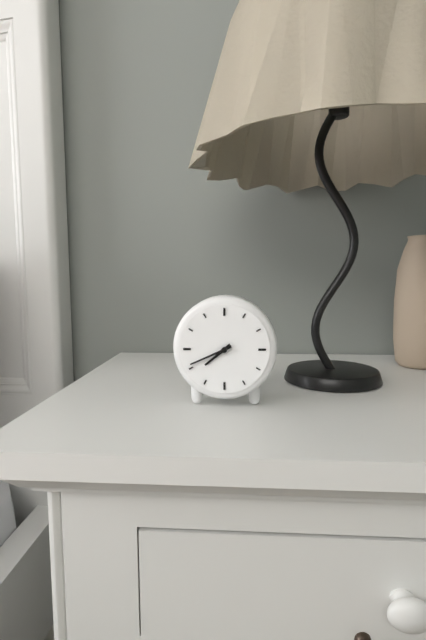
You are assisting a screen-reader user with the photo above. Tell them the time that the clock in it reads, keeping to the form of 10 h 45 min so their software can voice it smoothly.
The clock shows 7 h 41 min
